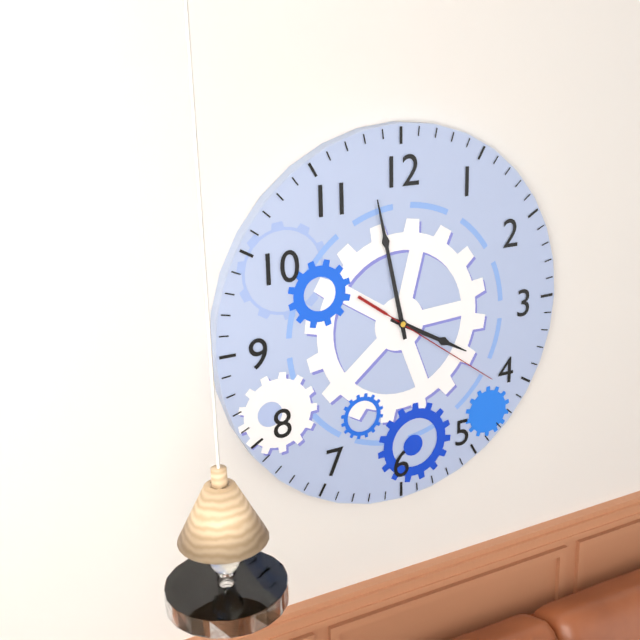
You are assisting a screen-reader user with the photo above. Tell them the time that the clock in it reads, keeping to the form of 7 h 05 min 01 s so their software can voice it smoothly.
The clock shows 3 h 58 min 21 s
